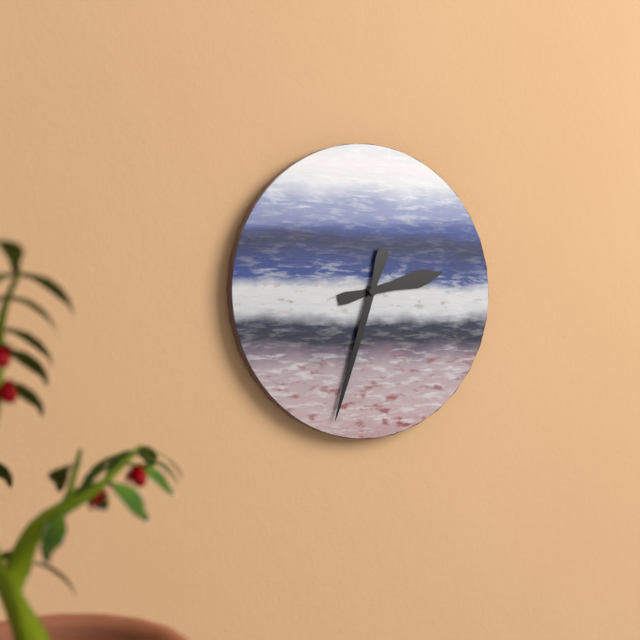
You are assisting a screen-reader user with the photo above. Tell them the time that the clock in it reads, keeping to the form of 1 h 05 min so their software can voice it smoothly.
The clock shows 2 h 33 min
